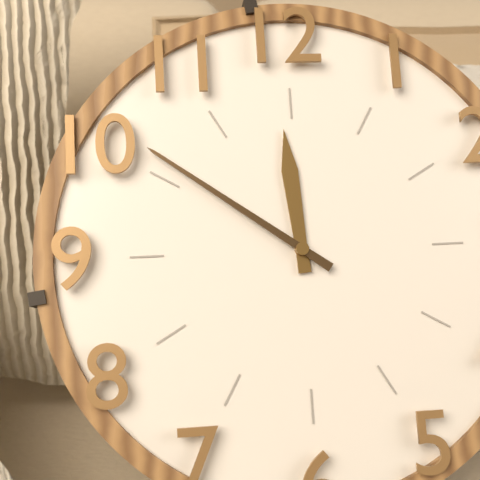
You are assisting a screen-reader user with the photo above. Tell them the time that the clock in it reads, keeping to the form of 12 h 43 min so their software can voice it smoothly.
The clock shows 11 h 51 min
